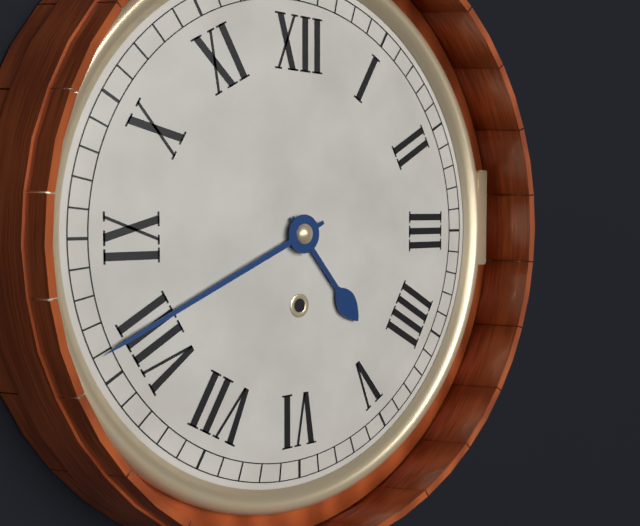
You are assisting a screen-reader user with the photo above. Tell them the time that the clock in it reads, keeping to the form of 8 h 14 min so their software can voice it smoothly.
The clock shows 4 h 41 min
